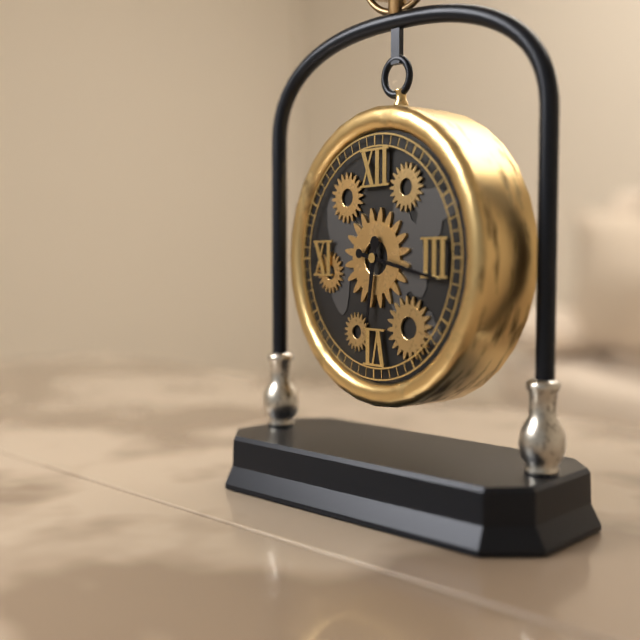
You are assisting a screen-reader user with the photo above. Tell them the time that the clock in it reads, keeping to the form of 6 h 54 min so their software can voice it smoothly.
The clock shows 6 h 17 min
